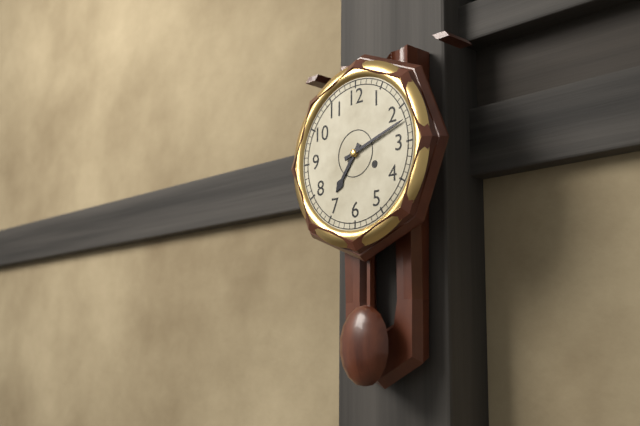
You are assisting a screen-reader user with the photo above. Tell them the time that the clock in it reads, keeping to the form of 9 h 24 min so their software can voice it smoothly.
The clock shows 7 h 12 min
